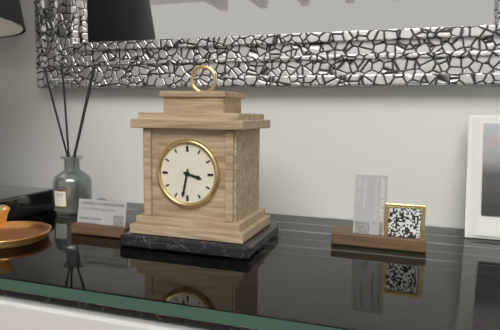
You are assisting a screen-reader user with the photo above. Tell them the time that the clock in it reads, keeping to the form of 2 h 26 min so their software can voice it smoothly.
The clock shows 3 h 32 min
